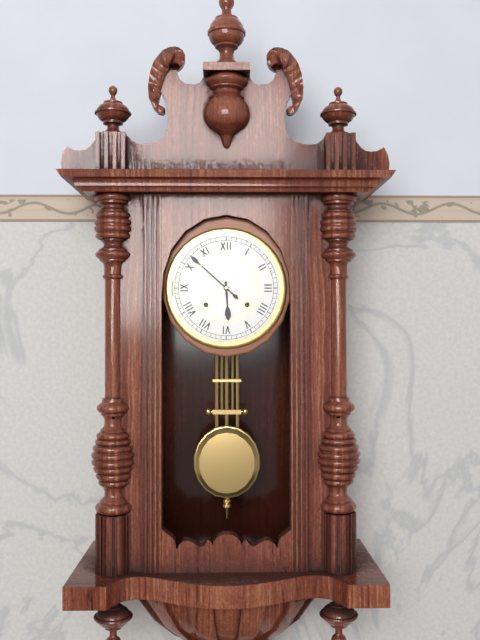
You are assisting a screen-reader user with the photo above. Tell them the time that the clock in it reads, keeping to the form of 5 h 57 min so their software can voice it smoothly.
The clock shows 5 h 52 min
